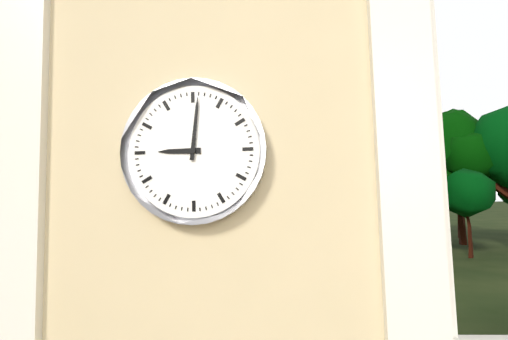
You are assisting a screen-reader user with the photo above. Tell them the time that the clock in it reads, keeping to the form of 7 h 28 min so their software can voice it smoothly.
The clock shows 9 h 01 min
